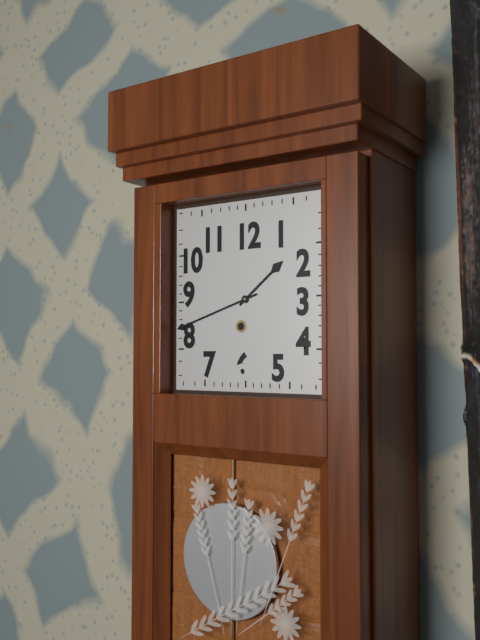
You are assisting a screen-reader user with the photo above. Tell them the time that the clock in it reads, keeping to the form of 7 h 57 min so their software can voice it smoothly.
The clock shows 1 h 42 min
